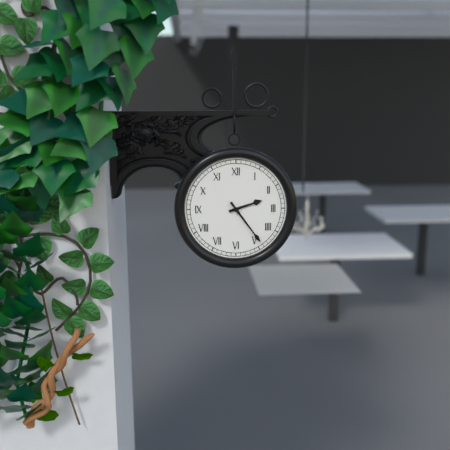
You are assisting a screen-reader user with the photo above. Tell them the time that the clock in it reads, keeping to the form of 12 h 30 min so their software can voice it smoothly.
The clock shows 2 h 24 min
